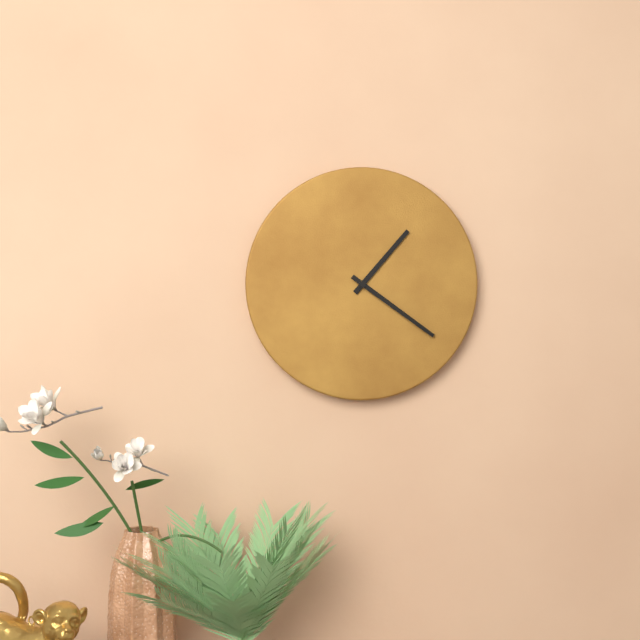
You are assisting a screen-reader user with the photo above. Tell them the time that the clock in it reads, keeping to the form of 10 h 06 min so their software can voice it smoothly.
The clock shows 1 h 21 min
